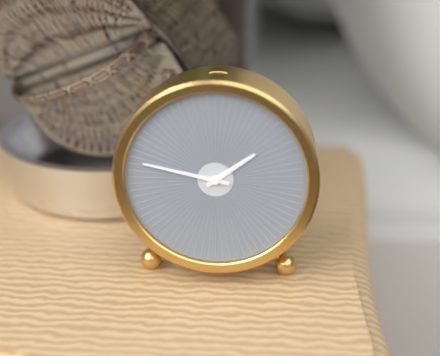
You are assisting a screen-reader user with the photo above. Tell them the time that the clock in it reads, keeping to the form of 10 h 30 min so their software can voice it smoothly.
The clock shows 1 h 47 min
